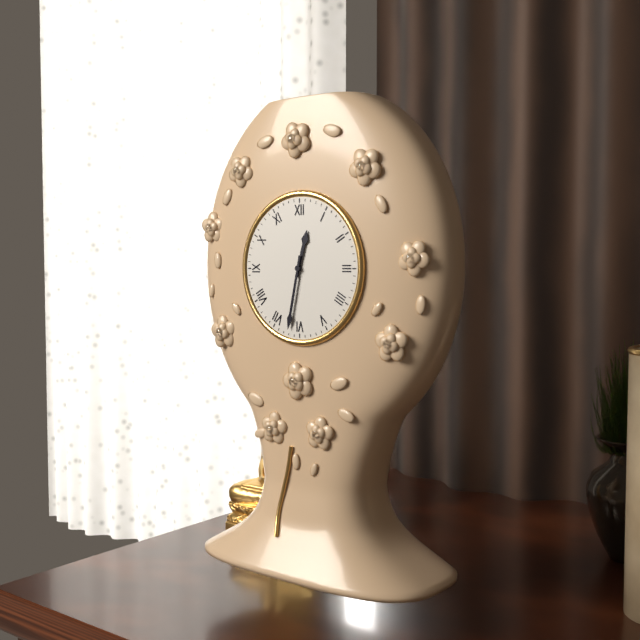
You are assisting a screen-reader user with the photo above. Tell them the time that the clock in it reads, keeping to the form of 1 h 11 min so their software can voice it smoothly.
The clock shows 12 h 32 min
